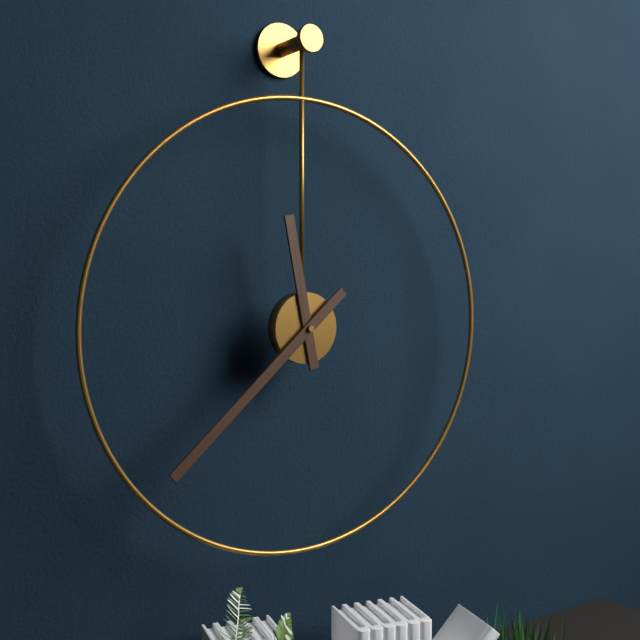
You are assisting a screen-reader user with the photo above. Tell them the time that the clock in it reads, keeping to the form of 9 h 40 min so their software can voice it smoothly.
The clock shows 11 h 38 min
